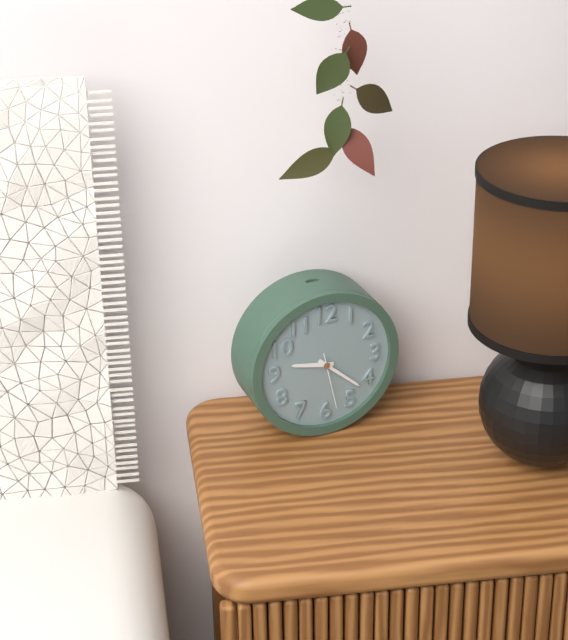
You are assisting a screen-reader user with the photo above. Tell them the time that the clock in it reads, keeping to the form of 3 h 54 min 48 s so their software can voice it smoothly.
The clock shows 9 h 22 min 28 s
